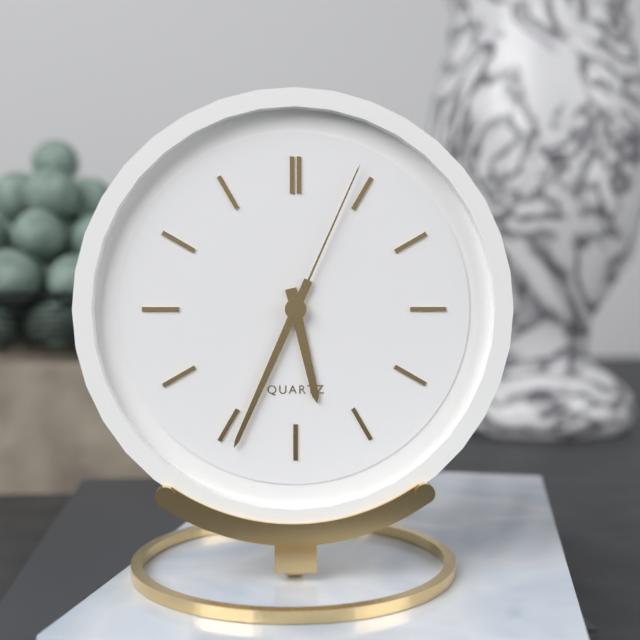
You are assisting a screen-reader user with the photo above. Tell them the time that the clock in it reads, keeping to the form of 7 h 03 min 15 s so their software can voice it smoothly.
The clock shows 5 h 34 min 04 s
